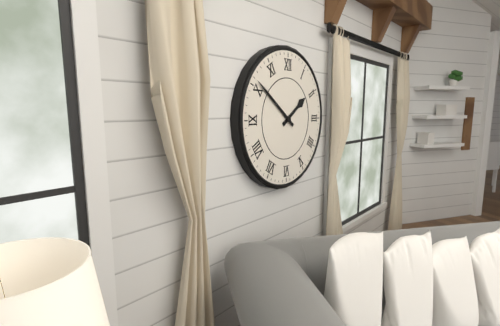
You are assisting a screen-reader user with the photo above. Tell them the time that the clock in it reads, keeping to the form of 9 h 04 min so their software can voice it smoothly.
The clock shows 1 h 51 min
